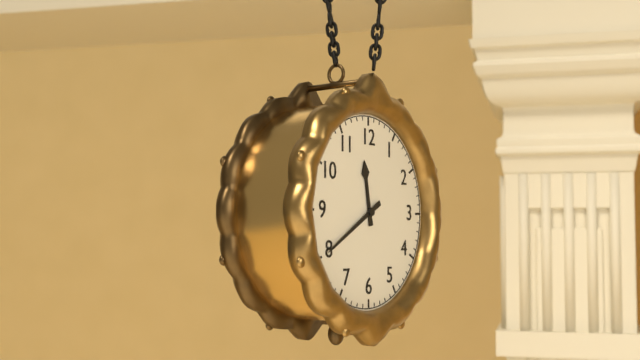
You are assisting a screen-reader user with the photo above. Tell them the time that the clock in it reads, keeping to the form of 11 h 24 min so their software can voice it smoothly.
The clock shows 11 h 40 min
